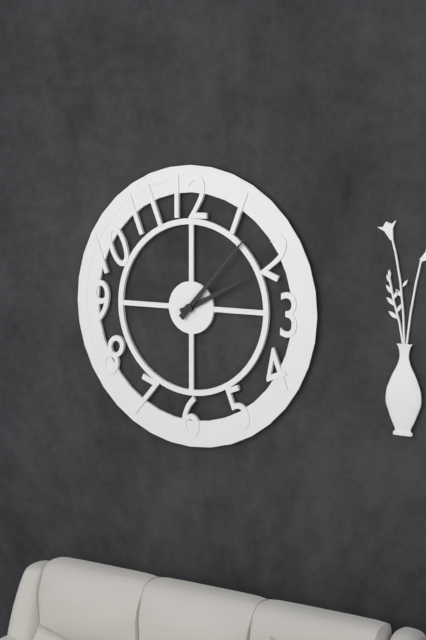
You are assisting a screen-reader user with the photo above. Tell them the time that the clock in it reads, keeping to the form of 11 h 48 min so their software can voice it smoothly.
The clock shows 2 h 07 min
